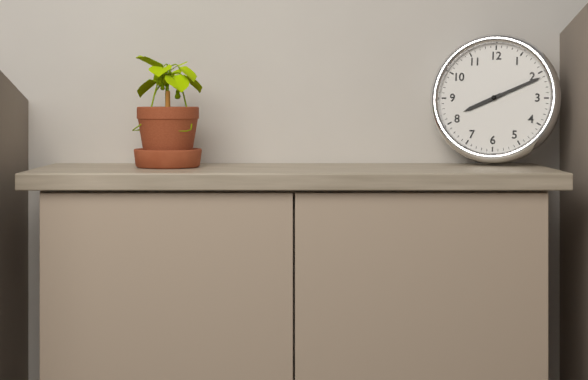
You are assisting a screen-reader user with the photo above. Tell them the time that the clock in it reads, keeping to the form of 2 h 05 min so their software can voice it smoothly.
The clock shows 8 h 11 min
